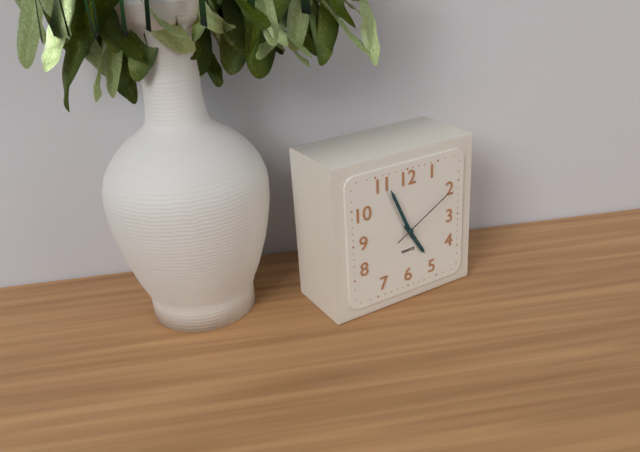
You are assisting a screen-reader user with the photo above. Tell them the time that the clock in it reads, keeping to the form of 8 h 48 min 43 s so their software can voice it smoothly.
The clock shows 4 h 56 min 10 s
